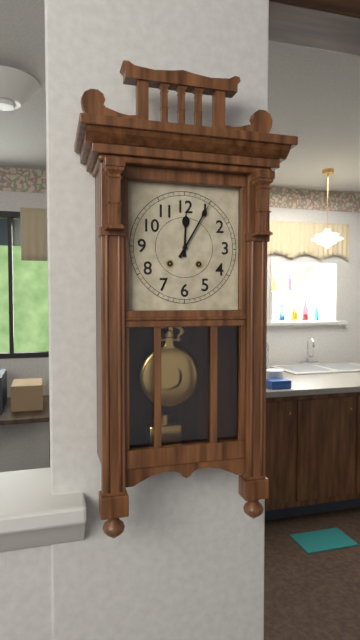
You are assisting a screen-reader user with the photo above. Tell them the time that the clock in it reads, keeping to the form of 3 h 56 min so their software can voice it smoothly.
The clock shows 12 h 05 min
